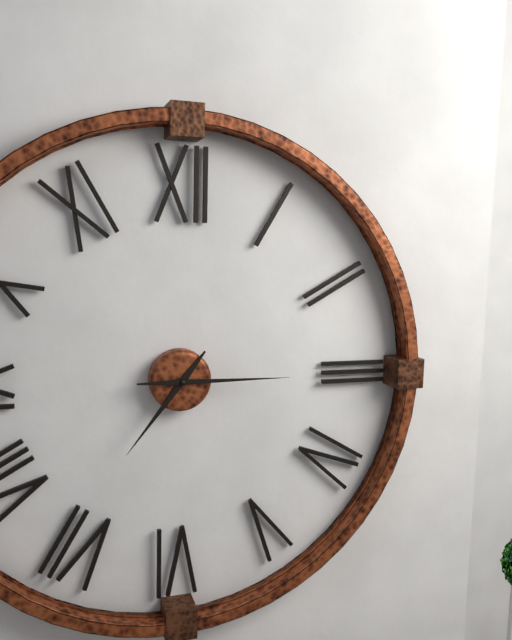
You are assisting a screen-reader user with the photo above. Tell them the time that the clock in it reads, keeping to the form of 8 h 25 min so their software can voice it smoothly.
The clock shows 7 h 15 min
